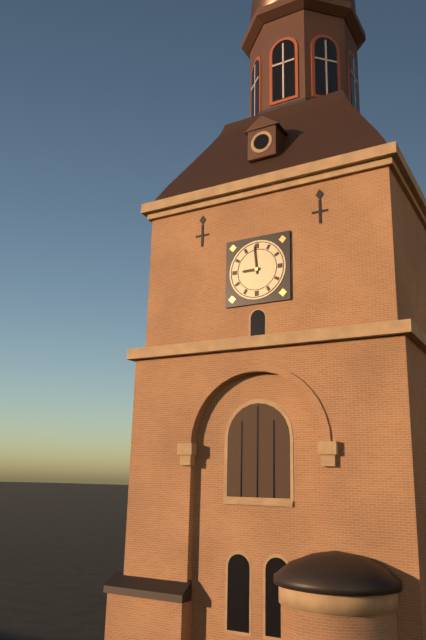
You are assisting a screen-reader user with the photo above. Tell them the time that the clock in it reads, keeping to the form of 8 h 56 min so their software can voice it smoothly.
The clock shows 8 h 59 min
